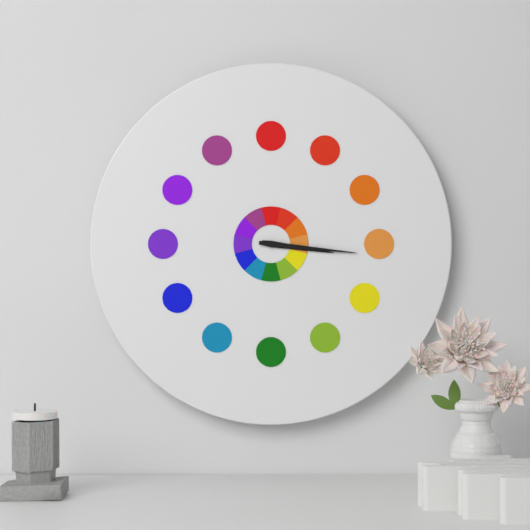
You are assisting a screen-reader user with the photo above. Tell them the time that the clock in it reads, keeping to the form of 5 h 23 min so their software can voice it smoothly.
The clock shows 3 h 16 min
